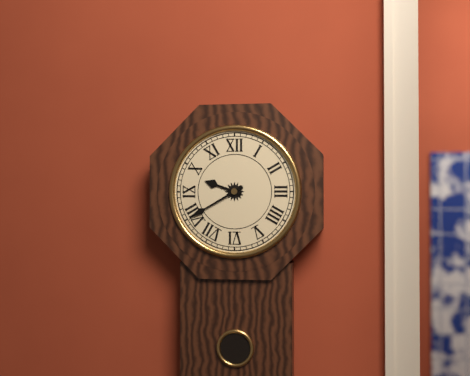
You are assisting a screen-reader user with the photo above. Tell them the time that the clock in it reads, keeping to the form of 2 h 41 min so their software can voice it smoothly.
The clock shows 9 h 40 min
